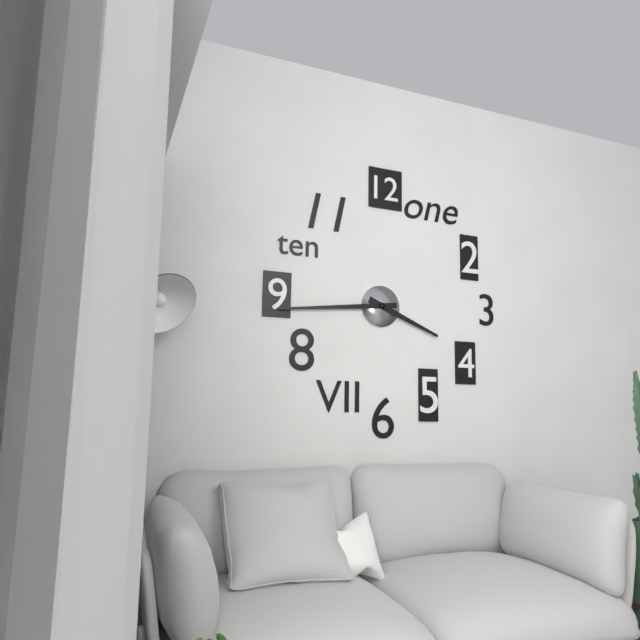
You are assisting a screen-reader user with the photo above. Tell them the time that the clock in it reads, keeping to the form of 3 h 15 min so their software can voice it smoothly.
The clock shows 3 h 44 min
